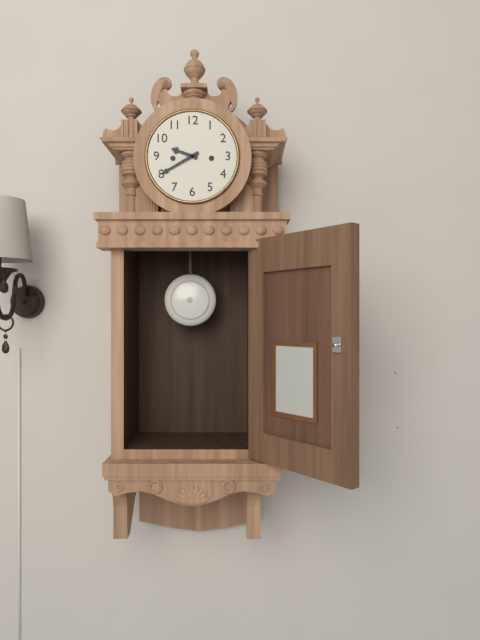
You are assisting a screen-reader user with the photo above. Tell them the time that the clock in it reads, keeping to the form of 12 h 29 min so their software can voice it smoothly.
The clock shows 9 h 40 min
